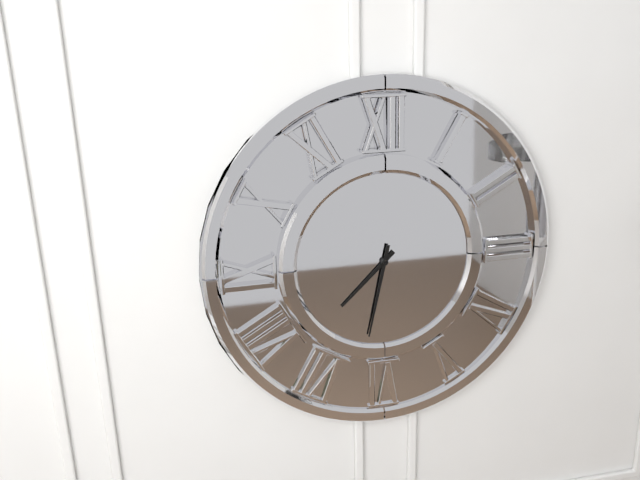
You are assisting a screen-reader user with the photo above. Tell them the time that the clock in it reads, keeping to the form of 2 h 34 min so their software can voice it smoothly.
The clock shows 7 h 32 min
